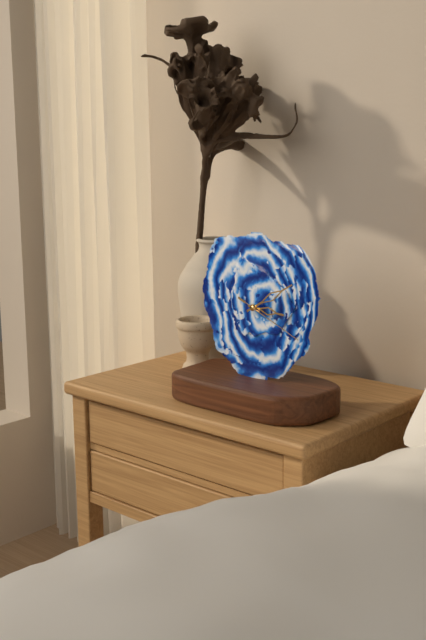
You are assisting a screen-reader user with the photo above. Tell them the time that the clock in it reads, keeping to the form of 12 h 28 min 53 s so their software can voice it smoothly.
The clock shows 3 h 10 min 19 s
